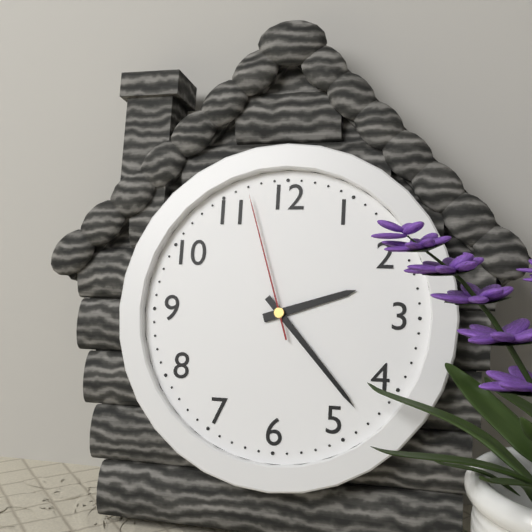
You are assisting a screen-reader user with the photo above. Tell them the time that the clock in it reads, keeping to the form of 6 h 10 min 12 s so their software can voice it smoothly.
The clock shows 2 h 23 min 57 s
